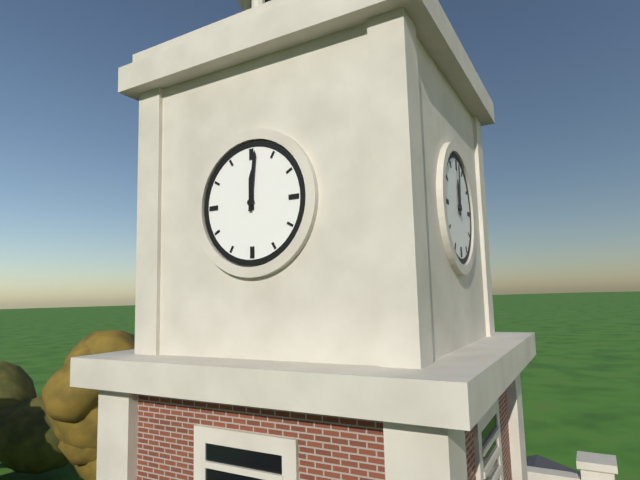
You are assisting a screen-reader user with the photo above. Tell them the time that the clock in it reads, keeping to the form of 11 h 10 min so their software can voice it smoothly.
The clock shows 12 h 01 min
